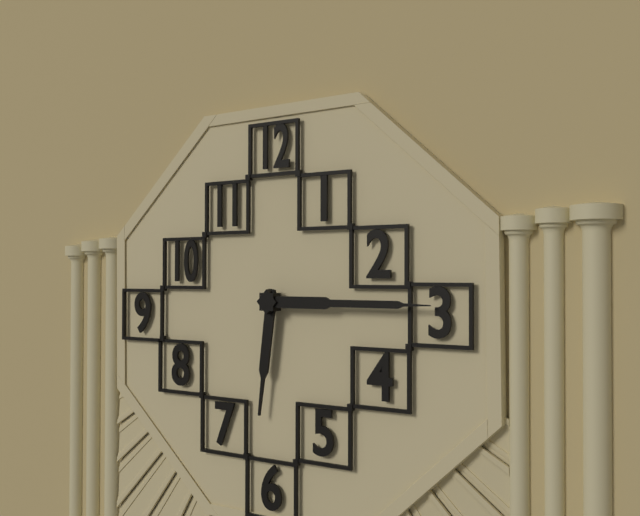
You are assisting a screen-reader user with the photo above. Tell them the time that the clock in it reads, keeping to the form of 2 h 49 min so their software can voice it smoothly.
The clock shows 6 h 15 min
